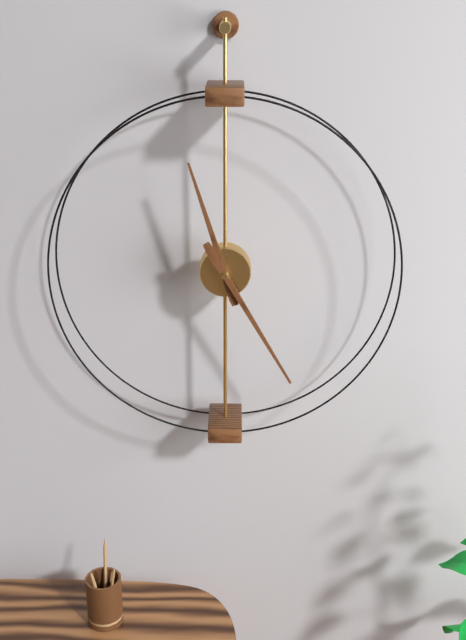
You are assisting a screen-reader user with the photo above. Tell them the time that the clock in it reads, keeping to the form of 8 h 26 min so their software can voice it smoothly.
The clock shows 11 h 25 min
